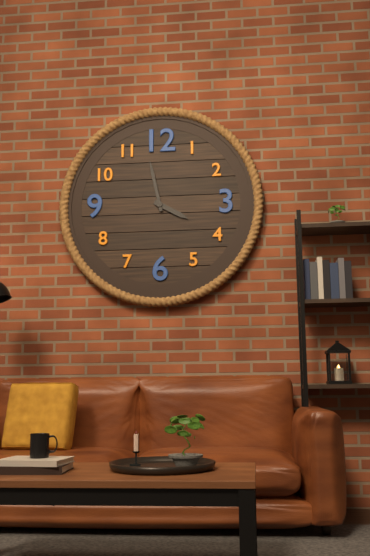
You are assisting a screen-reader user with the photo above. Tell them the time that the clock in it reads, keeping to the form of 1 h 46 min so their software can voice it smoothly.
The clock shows 3 h 58 min
